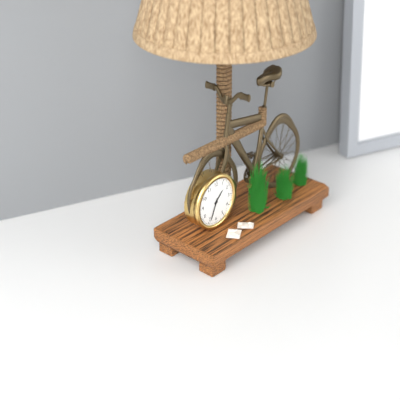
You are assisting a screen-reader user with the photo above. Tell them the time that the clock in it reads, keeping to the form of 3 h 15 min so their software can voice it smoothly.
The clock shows 1 h 34 min
